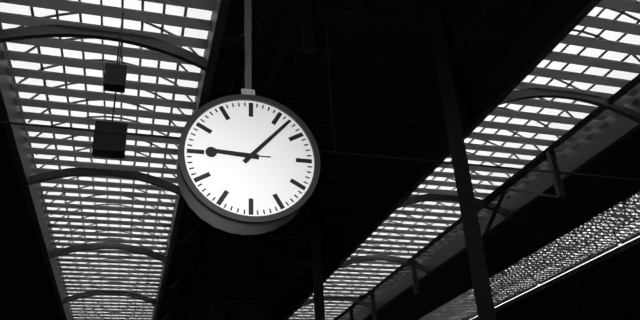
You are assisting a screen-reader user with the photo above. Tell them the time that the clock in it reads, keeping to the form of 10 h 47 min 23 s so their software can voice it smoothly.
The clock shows 9 h 07 min 45 s
